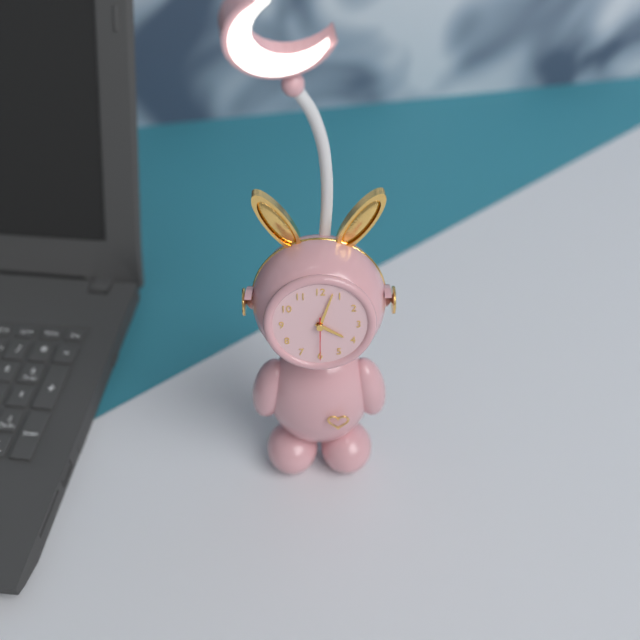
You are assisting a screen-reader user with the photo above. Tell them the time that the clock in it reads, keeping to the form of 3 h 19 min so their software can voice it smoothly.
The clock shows 4 h 03 min
